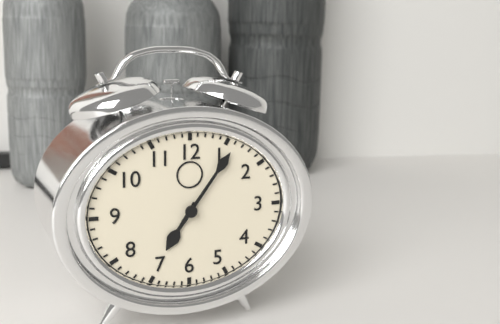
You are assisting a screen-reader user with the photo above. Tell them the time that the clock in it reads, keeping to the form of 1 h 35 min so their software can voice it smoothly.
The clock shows 7 h 06 min
